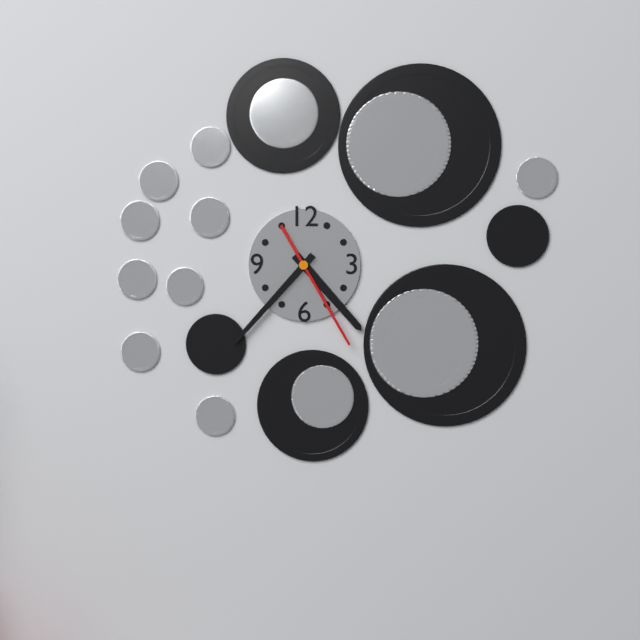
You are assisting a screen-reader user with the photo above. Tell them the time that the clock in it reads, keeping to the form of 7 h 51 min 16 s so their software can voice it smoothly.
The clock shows 4 h 37 min 25 s
